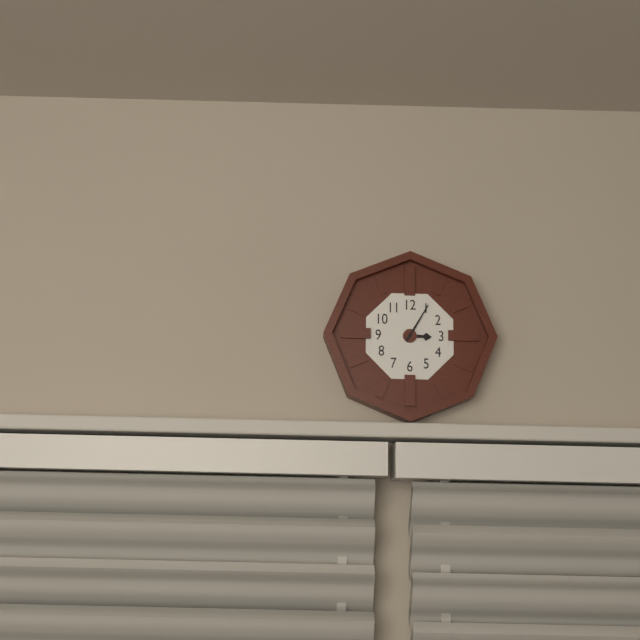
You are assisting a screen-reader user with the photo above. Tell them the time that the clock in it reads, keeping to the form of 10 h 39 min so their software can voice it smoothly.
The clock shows 3 h 05 min
